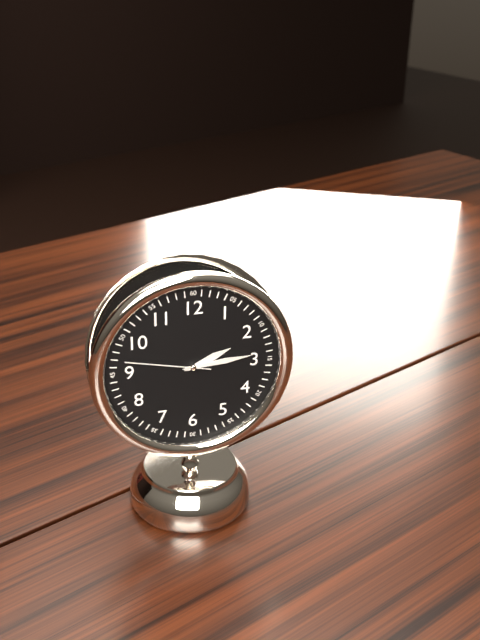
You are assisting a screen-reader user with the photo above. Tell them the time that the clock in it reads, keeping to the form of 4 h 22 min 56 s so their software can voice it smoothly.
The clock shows 2 h 14 min 47 s
